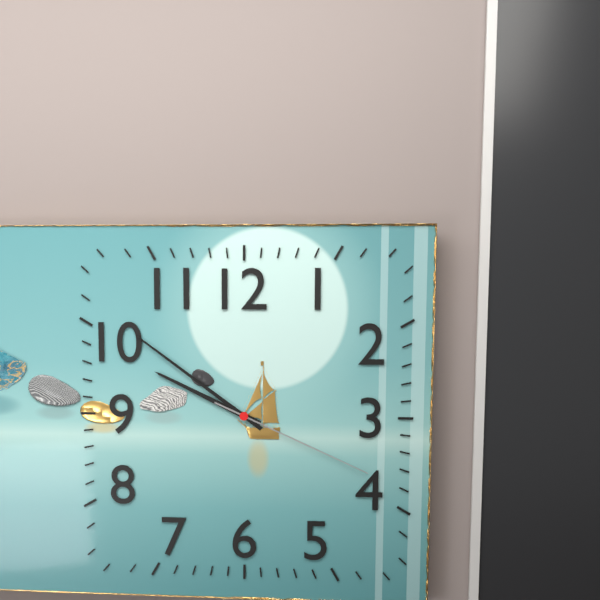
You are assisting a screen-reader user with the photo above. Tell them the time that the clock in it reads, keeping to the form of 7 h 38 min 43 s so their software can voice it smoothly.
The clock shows 9 h 51 min 19 s
